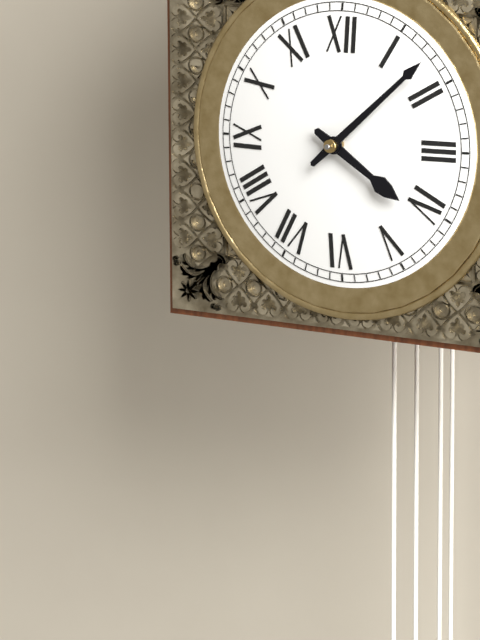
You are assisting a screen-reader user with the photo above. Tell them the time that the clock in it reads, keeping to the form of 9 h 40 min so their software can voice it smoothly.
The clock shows 4 h 08 min
